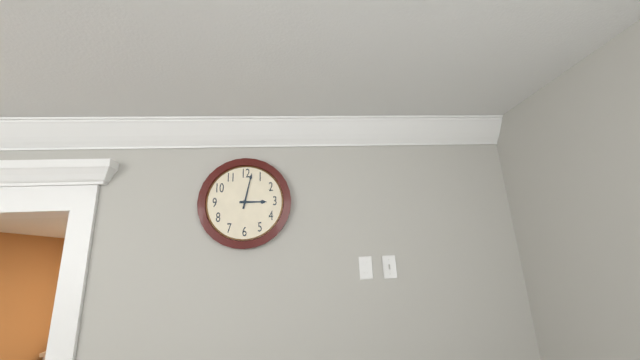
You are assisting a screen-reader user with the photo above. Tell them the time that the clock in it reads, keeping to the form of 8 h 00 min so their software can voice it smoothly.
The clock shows 3 h 02 min
